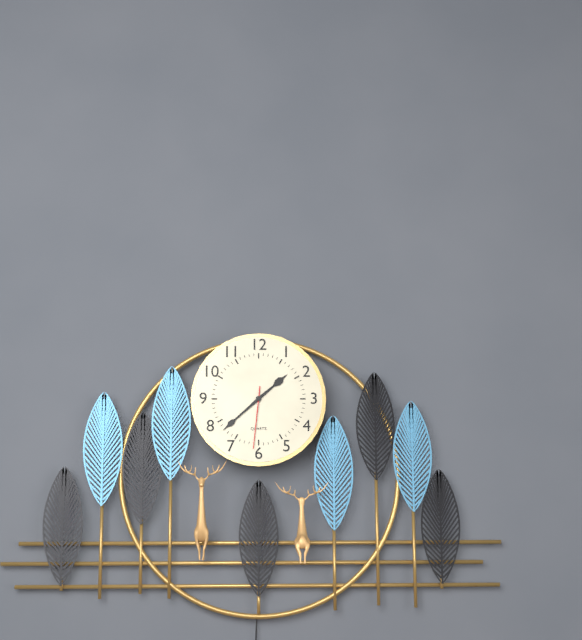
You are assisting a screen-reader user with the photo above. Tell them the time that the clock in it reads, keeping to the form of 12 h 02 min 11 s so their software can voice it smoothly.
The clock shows 1 h 38 min 31 s
